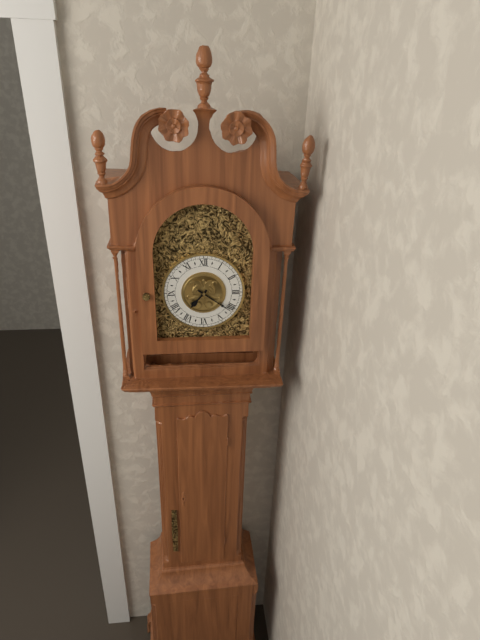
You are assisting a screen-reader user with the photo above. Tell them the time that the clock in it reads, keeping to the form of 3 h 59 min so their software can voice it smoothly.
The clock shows 7 h 21 min
